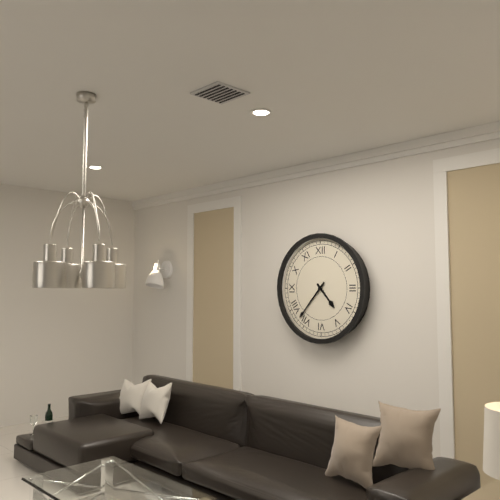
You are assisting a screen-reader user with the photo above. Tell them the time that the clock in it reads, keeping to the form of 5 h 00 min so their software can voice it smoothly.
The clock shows 4 h 37 min
